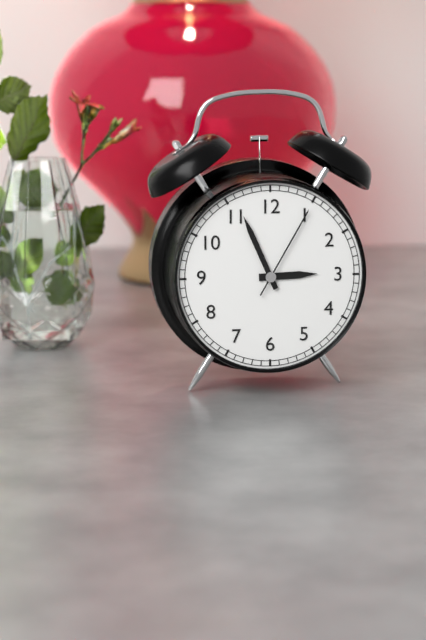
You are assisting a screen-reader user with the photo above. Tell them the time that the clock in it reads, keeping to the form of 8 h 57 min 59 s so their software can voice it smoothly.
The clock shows 2 h 56 min 05 s
